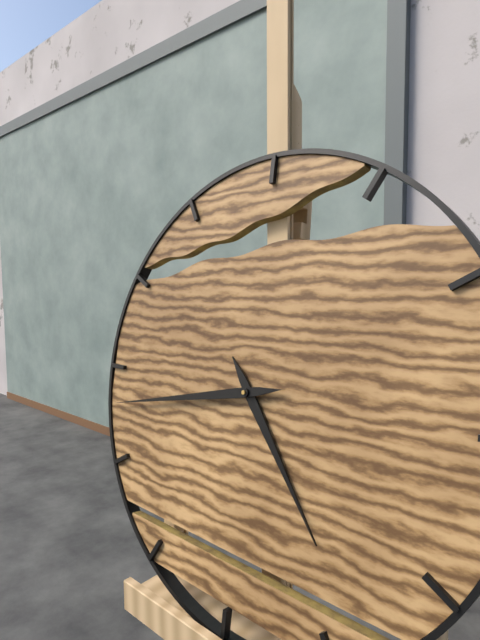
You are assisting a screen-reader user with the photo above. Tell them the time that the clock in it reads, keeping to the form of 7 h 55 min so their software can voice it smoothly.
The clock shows 4 h 43 min
